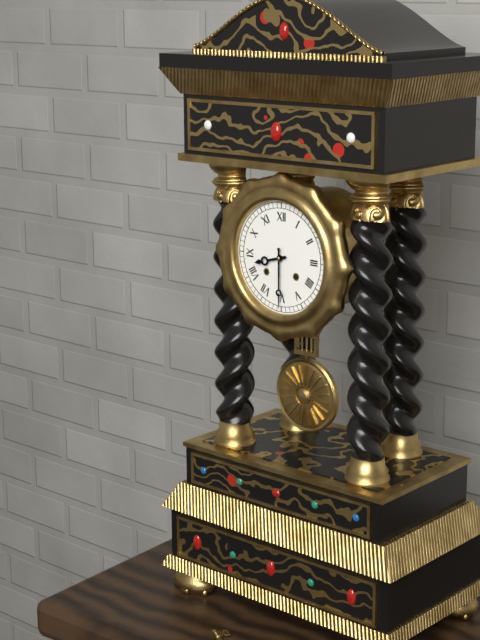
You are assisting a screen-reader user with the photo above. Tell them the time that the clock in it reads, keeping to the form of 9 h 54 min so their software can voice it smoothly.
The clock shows 8 h 30 min
